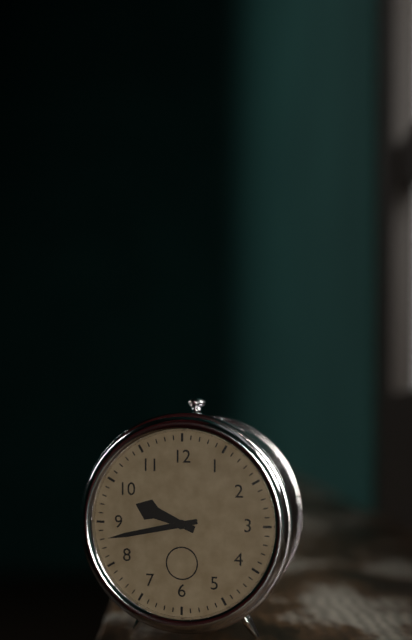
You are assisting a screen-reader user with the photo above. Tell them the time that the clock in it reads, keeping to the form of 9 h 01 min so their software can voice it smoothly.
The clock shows 9 h 43 min
